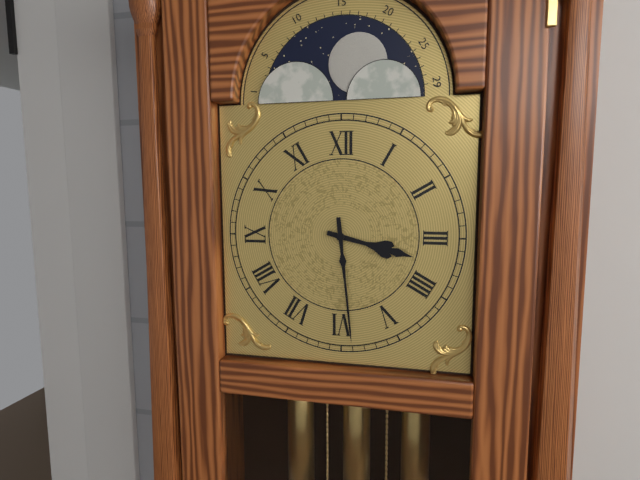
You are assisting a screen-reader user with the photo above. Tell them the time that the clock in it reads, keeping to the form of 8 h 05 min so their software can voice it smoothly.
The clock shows 3 h 29 min
